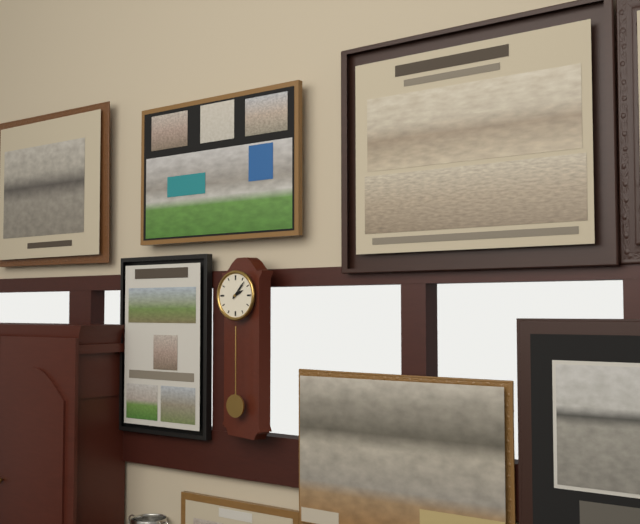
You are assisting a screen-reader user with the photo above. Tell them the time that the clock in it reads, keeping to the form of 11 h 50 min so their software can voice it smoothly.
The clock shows 2 h 07 min
